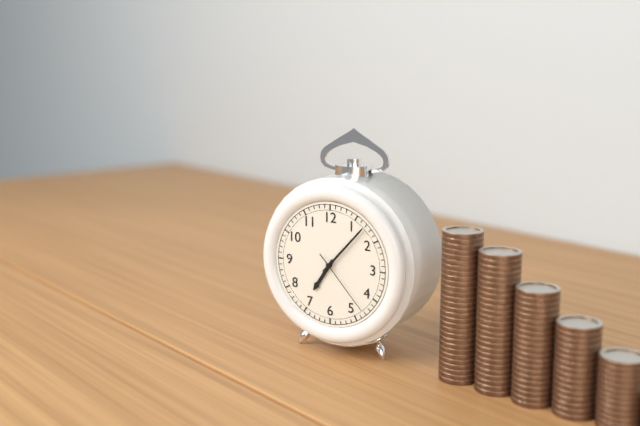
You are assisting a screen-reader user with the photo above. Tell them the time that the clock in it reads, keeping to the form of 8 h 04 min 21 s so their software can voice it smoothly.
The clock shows 7 h 07 min 23 s
